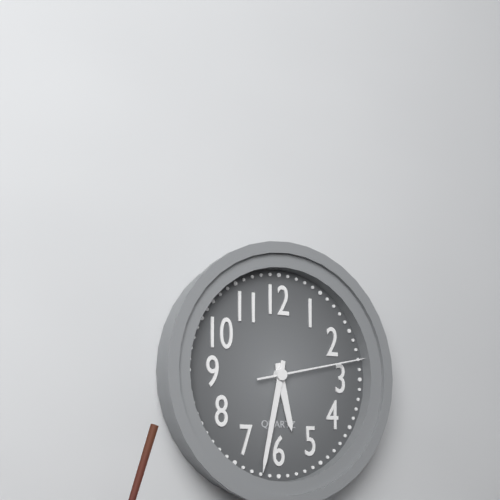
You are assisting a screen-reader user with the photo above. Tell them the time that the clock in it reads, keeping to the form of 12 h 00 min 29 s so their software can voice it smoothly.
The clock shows 5 h 32 min 13 s
